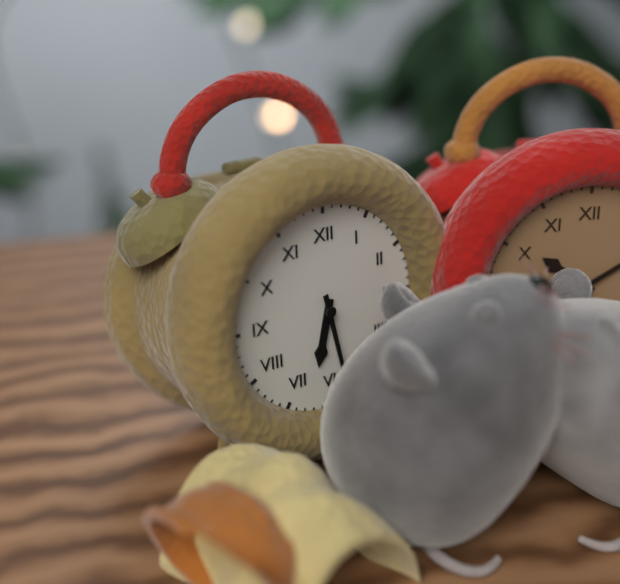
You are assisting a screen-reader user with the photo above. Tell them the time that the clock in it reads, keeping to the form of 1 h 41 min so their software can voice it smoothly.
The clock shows 6 h 28 min
